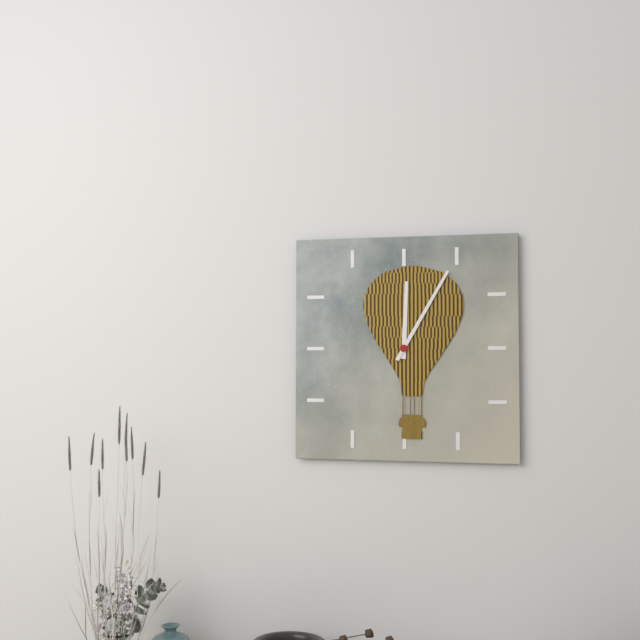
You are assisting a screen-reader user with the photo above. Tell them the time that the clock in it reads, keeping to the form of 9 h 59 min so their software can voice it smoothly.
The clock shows 12 h 05 min
